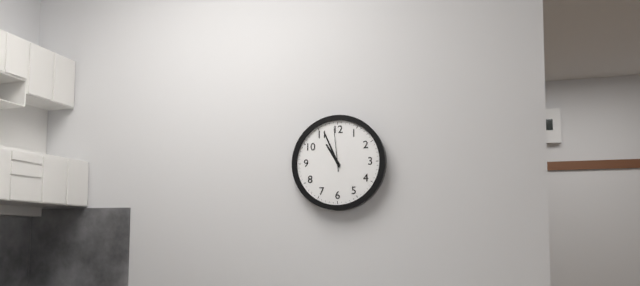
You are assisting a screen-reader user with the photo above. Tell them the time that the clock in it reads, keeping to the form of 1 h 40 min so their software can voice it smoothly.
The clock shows 10 h 56 min
